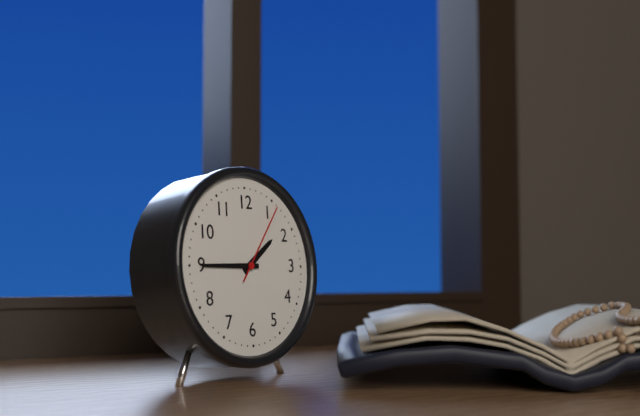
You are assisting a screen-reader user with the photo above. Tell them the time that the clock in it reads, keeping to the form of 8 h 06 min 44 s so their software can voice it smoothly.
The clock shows 1 h 45 min 06 s
